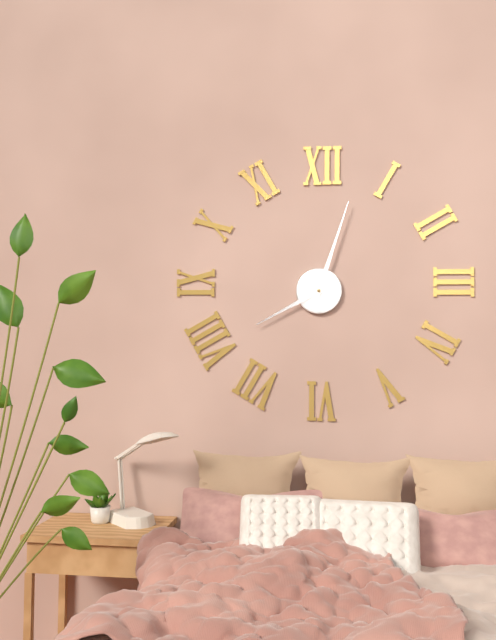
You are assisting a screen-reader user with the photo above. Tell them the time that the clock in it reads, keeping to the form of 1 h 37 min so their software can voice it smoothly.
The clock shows 8 h 03 min
